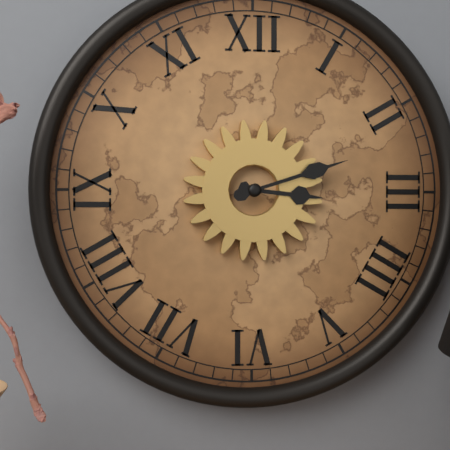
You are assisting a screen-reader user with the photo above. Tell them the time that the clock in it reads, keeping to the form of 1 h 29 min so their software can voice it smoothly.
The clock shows 3 h 12 min
